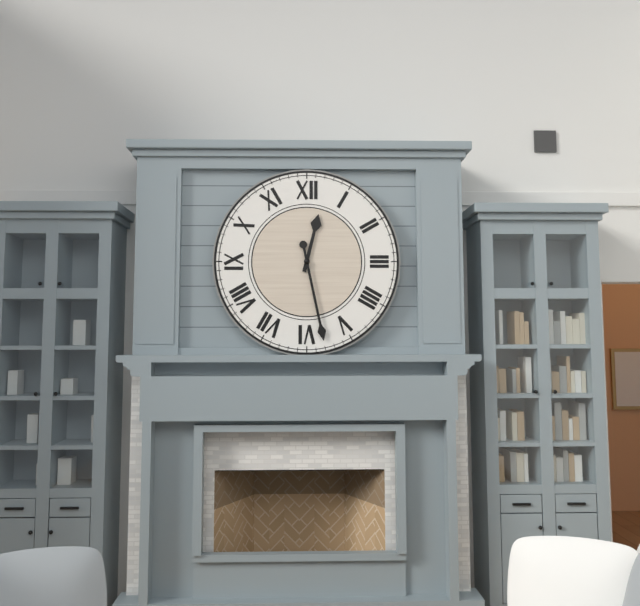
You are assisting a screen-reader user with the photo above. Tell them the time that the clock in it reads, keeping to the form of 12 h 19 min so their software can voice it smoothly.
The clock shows 12 h 28 min
